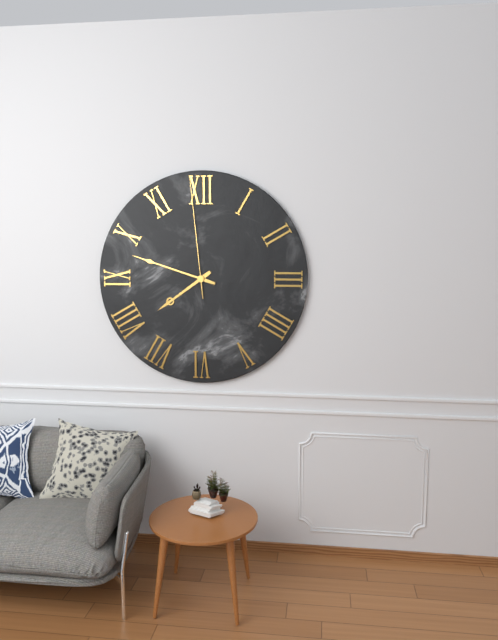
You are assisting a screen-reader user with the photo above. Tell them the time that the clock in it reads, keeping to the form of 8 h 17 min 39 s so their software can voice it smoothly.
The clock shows 7 h 48 min 59 s
